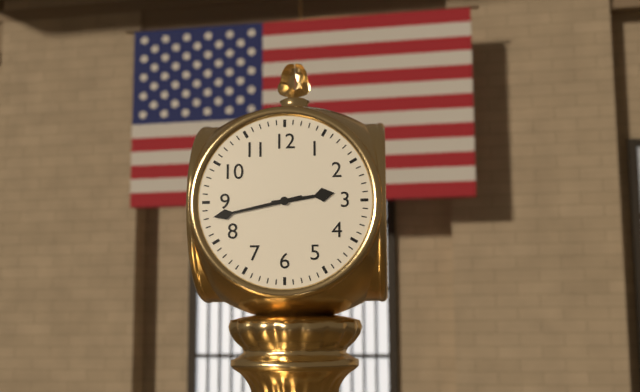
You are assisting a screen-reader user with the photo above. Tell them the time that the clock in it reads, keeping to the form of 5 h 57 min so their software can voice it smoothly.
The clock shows 2 h 43 min
